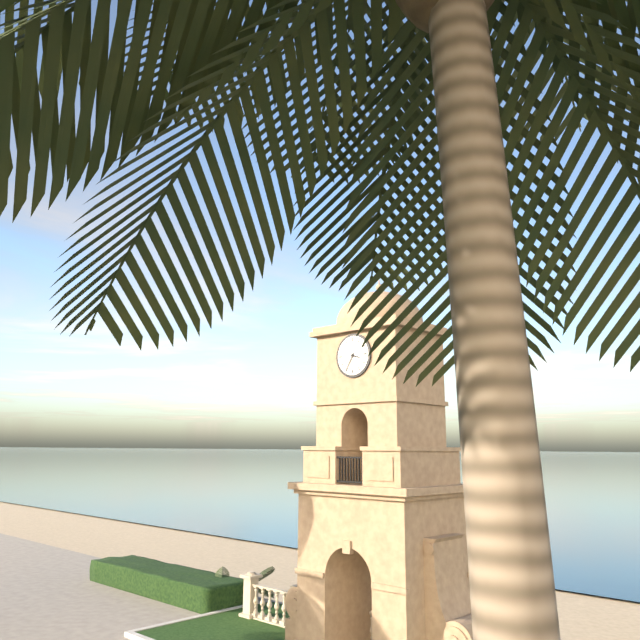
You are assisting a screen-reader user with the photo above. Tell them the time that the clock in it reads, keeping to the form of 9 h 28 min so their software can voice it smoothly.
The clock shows 3 h 35 min
